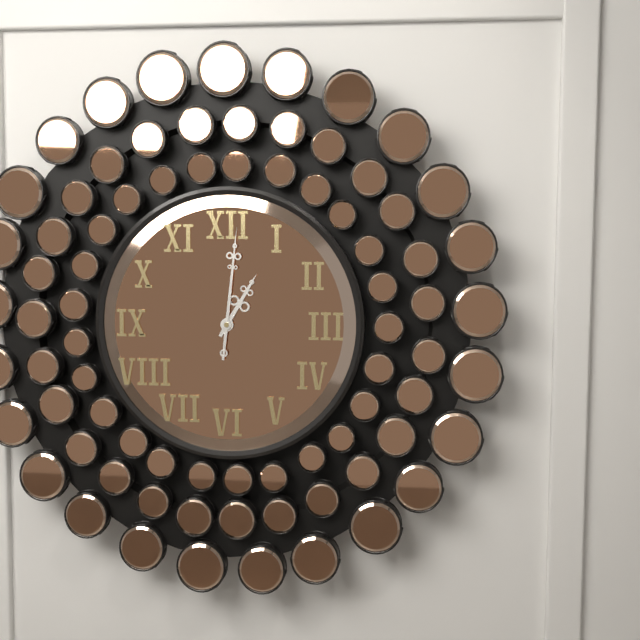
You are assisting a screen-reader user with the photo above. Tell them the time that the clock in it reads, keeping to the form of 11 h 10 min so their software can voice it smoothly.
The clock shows 1 h 01 min
